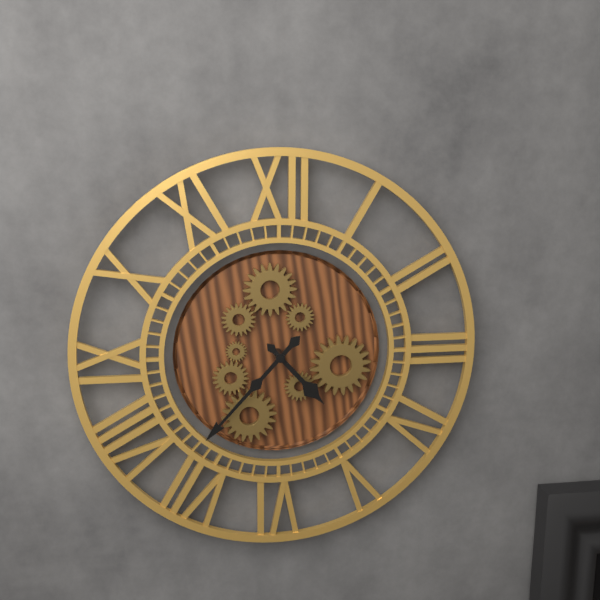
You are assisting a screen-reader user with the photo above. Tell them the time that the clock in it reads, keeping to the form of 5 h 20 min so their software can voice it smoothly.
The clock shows 4 h 37 min
